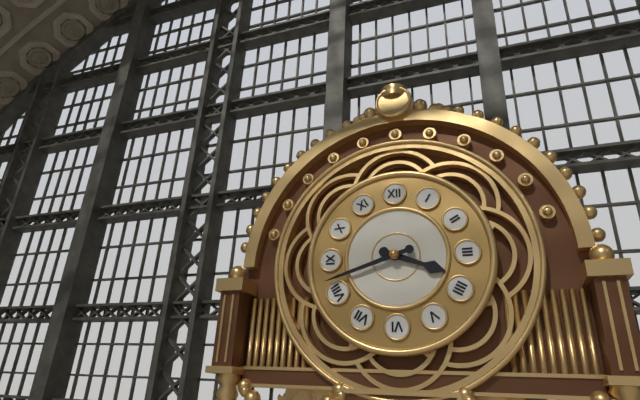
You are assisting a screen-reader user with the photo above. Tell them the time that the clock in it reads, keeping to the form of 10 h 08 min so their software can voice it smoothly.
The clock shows 3 h 42 min
